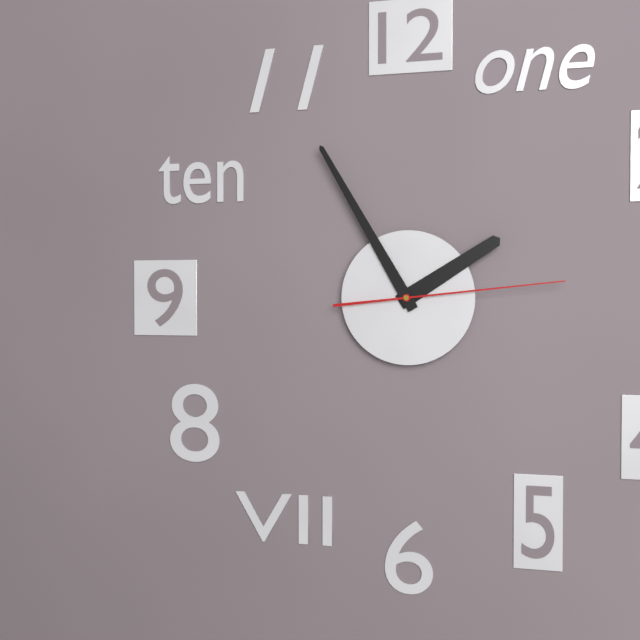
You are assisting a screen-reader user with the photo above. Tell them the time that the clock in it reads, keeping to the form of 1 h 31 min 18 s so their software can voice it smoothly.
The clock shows 1 h 55 min 14 s
